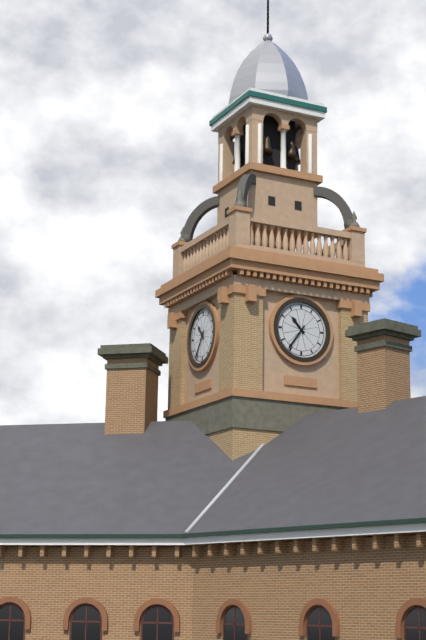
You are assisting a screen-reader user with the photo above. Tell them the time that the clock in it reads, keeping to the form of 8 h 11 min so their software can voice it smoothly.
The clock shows 10 h 36 min
